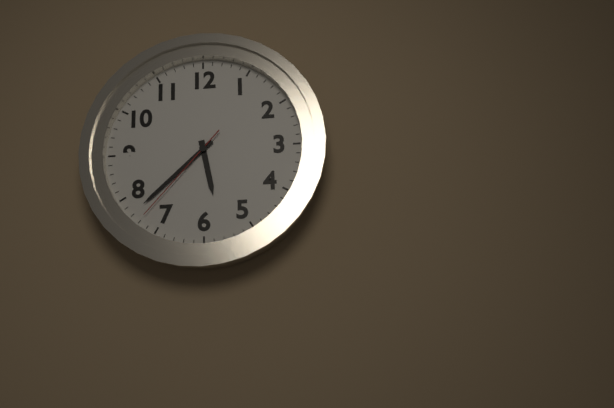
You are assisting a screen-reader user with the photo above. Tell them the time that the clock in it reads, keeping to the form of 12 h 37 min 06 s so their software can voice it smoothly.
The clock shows 5 h 38 min 37 s
